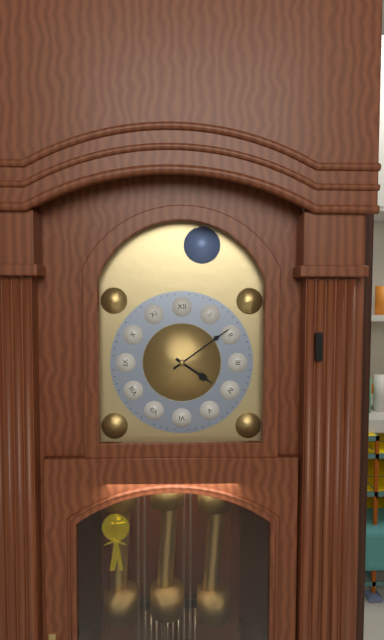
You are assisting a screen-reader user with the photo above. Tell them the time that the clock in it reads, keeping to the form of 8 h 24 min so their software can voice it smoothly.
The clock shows 4 h 09 min
